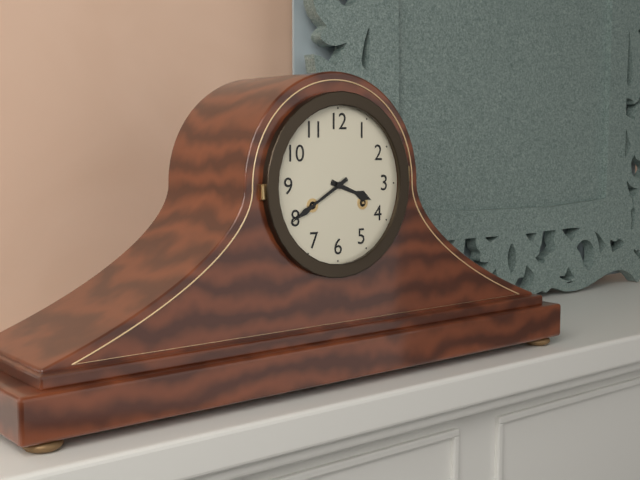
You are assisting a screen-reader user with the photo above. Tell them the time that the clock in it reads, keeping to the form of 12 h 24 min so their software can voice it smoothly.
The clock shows 3 h 40 min
